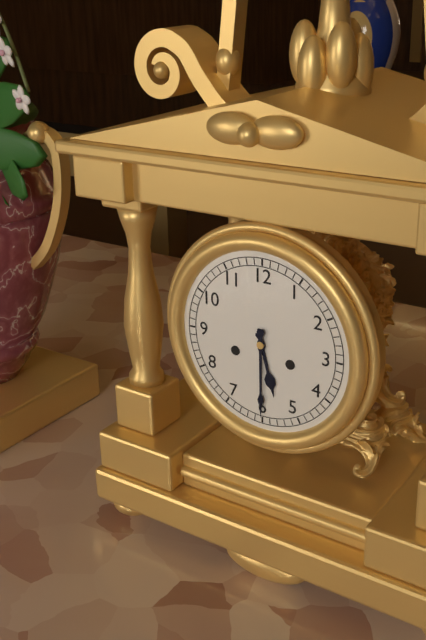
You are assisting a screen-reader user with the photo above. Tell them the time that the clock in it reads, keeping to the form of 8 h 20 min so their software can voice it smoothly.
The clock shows 5 h 30 min
